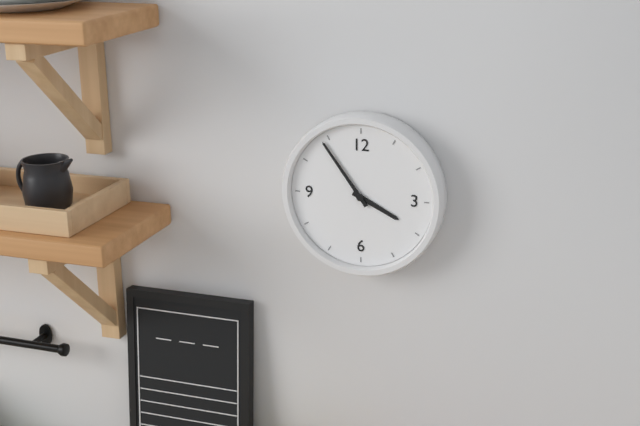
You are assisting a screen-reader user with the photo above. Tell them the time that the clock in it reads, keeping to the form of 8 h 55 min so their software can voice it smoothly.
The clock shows 3 h 54 min
